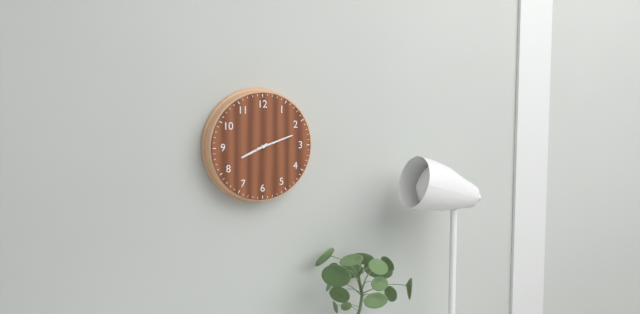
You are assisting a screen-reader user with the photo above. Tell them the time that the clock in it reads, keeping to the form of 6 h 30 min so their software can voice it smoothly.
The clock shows 8 h 12 min
